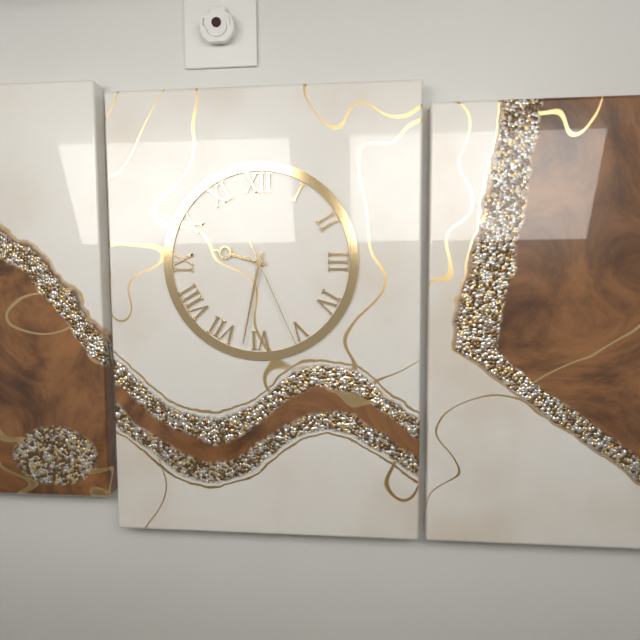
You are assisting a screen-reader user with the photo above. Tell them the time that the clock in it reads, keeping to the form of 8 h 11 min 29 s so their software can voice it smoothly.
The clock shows 9 h 32 min 26 s
